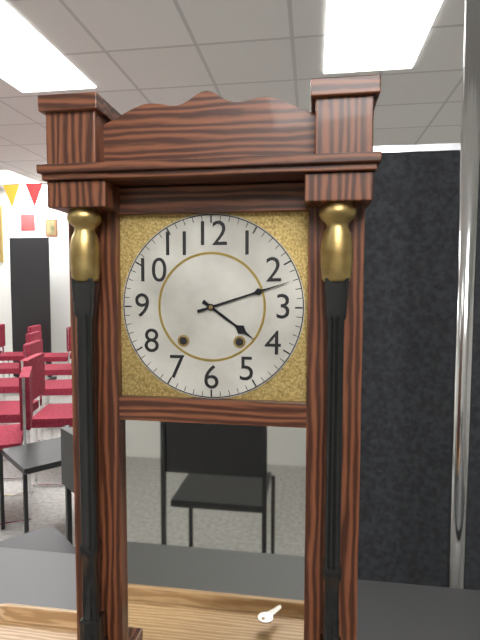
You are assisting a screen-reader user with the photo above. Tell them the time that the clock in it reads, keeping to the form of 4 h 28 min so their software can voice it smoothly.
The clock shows 4 h 12 min
